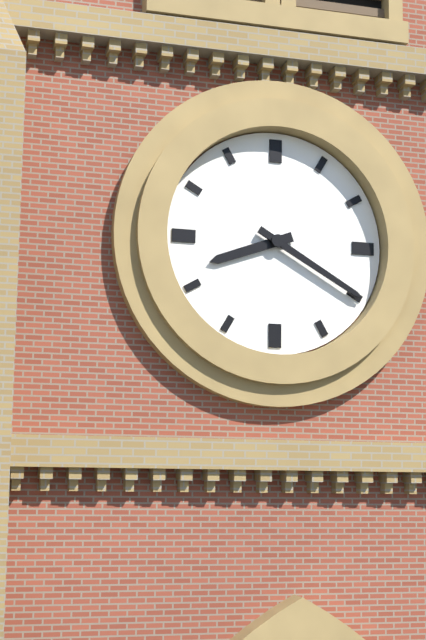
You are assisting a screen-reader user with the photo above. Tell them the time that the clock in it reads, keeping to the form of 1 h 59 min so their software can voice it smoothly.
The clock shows 8 h 20 min
